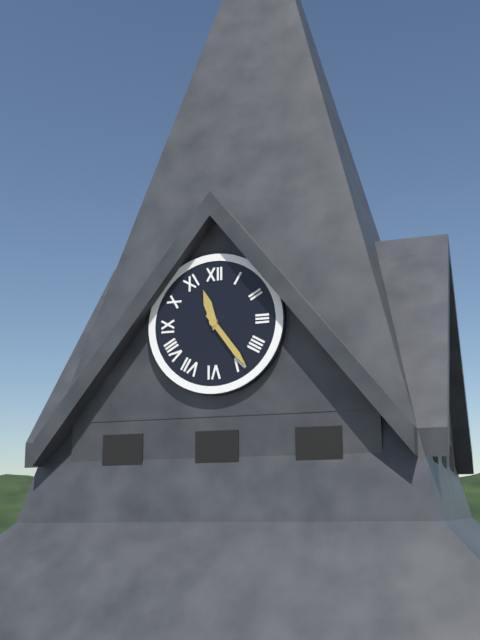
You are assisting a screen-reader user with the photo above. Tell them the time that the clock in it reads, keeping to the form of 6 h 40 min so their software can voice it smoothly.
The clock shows 11 h 24 min
